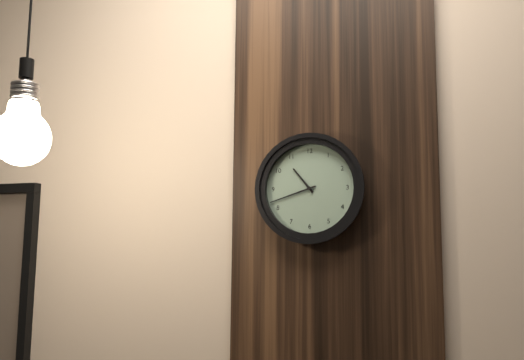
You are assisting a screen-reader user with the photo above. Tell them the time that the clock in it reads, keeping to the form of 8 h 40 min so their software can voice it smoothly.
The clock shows 10 h 42 min
